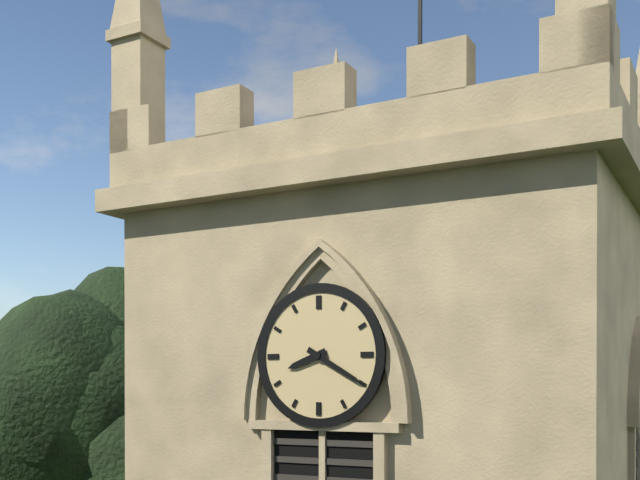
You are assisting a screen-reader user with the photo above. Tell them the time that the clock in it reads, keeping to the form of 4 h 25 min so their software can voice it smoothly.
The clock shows 8 h 20 min
